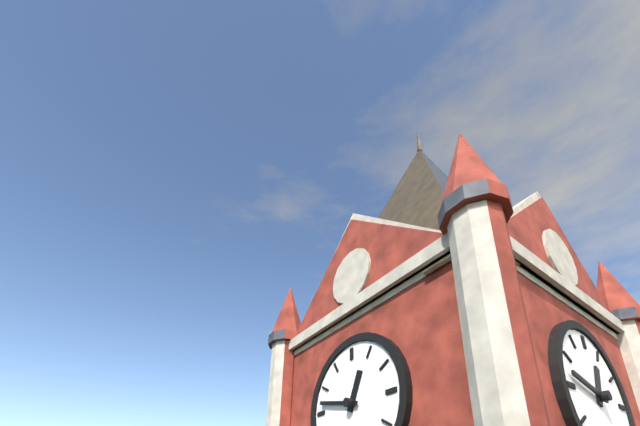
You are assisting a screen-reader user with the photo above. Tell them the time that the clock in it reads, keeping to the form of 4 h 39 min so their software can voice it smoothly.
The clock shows 12 h 47 min
